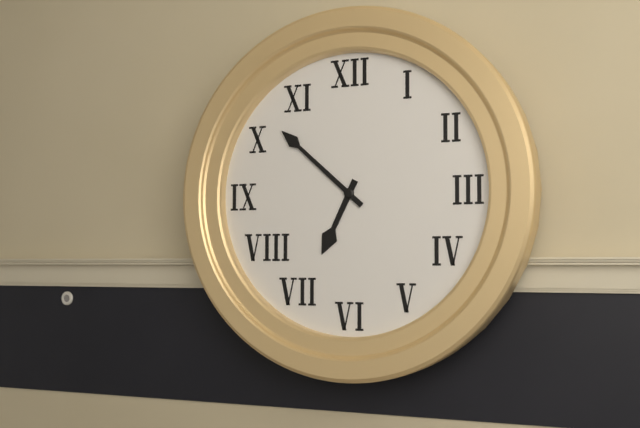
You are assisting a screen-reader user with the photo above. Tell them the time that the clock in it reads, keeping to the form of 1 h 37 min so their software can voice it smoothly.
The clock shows 6 h 52 min
